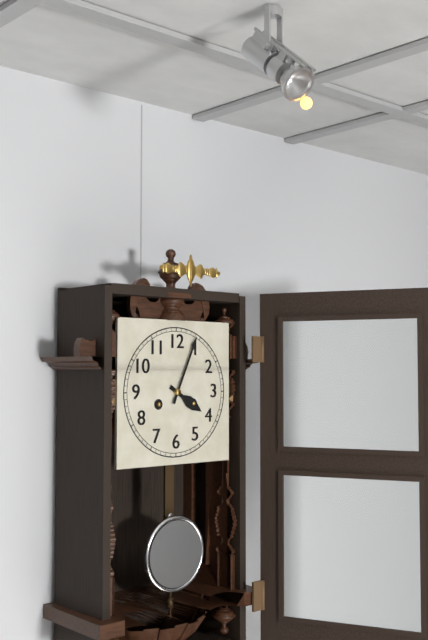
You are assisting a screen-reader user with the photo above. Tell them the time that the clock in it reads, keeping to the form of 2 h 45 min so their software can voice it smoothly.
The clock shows 4 h 04 min
